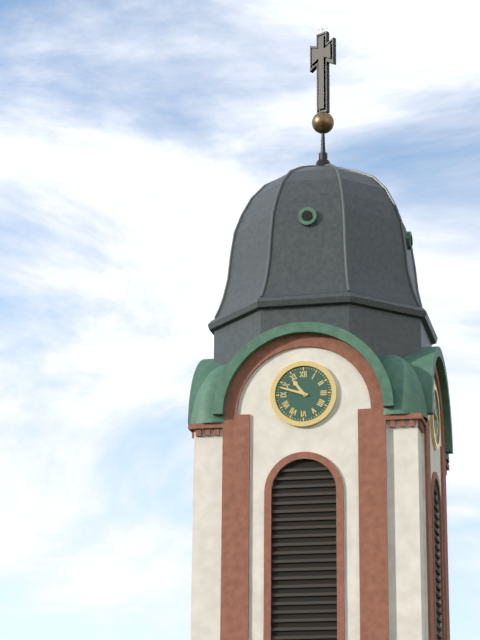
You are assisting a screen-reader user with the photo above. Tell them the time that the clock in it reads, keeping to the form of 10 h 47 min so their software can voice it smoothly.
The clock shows 10 h 48 min
